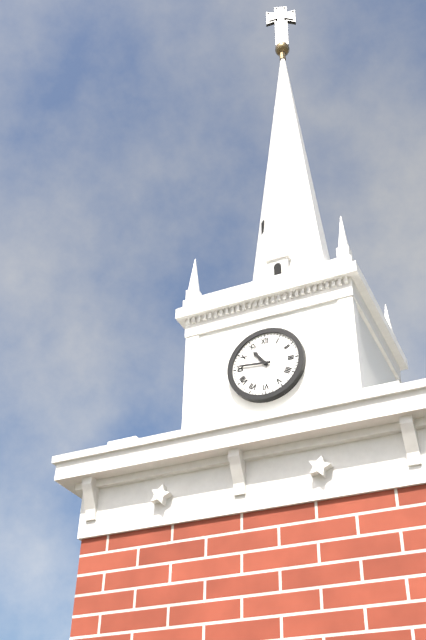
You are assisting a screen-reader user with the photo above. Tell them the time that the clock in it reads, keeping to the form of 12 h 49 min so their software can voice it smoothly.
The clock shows 10 h 46 min
